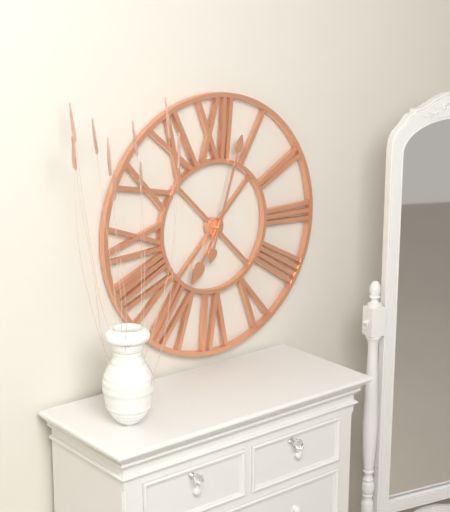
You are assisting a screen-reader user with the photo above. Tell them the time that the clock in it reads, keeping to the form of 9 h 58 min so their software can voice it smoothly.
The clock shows 7 h 03 min
